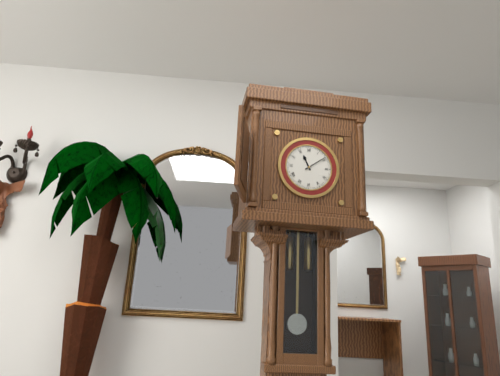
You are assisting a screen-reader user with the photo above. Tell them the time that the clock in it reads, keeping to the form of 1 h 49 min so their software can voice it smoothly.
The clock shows 11 h 09 min
